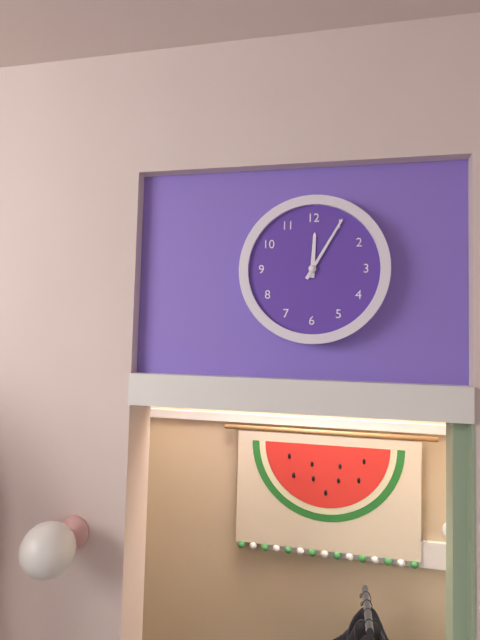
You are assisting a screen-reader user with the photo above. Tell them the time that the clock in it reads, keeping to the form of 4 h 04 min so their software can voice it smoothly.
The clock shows 12 h 05 min
